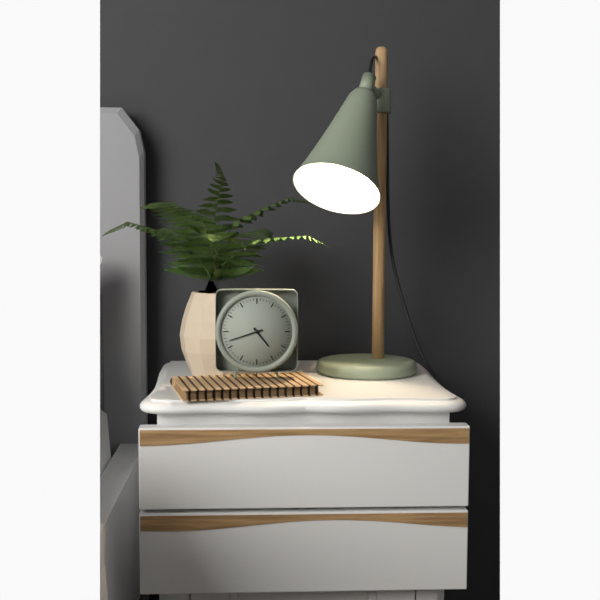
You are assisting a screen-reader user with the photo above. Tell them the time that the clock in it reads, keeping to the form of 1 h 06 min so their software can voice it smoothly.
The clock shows 4 h 42 min
